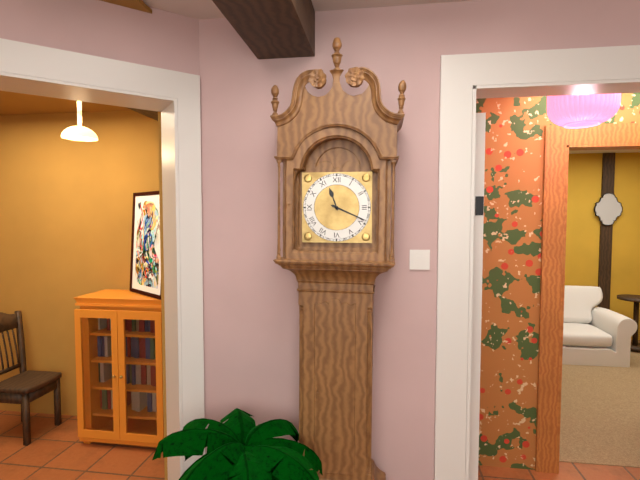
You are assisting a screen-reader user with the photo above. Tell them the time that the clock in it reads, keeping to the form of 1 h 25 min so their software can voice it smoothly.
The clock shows 11 h 19 min
